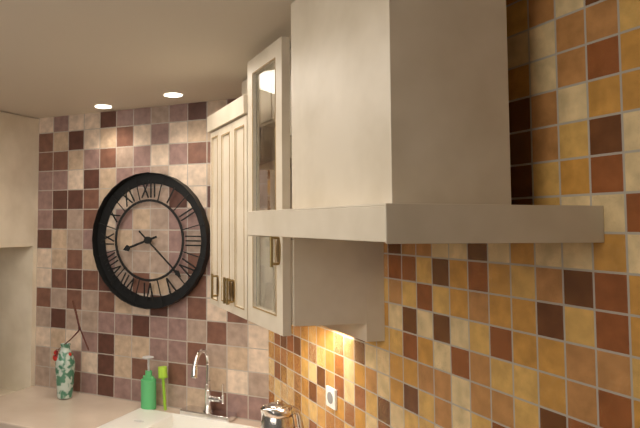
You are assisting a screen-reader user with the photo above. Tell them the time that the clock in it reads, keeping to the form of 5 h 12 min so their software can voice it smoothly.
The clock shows 8 h 22 min
